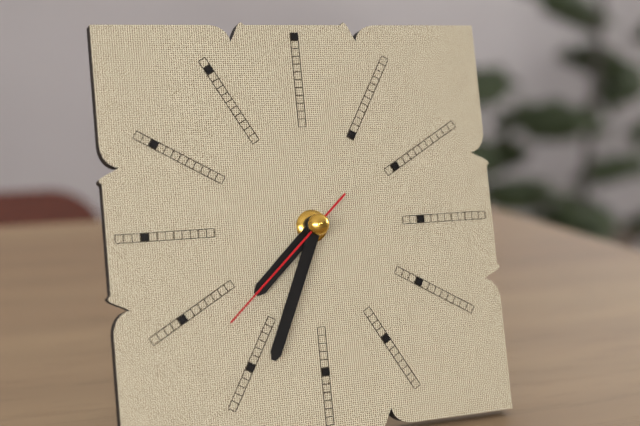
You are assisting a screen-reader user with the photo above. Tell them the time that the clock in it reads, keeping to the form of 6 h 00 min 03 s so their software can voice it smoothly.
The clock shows 7 h 34 min 38 s
